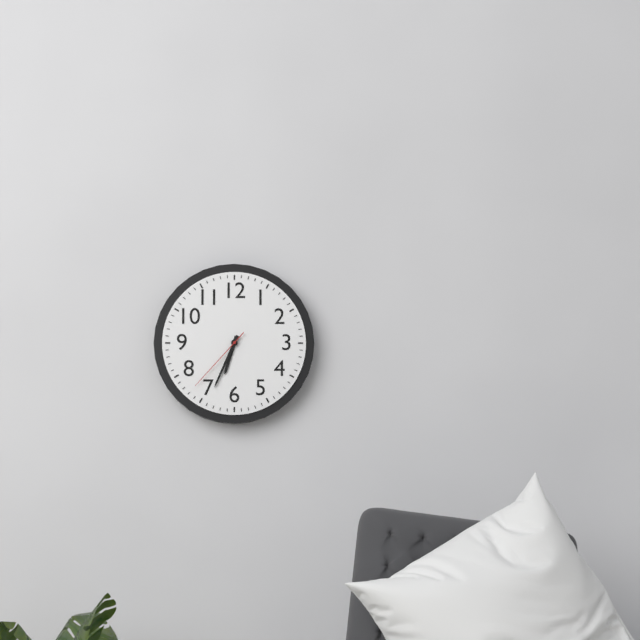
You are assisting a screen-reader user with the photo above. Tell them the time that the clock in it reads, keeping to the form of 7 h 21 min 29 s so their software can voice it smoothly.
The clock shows 6 h 34 min 37 s
